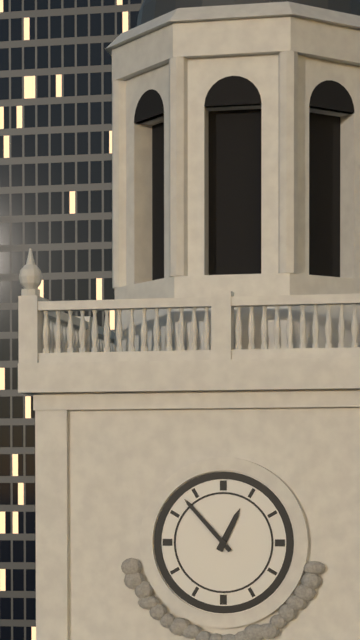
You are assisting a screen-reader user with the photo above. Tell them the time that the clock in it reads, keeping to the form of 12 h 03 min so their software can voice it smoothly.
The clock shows 12 h 53 min
